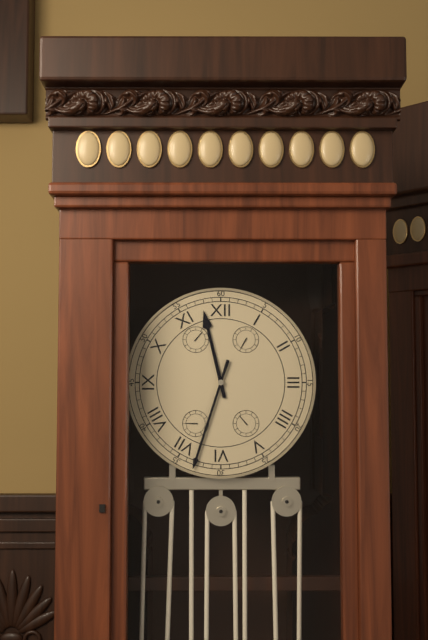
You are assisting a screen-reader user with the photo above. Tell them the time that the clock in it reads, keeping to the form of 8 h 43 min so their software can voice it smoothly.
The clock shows 11 h 33 min
